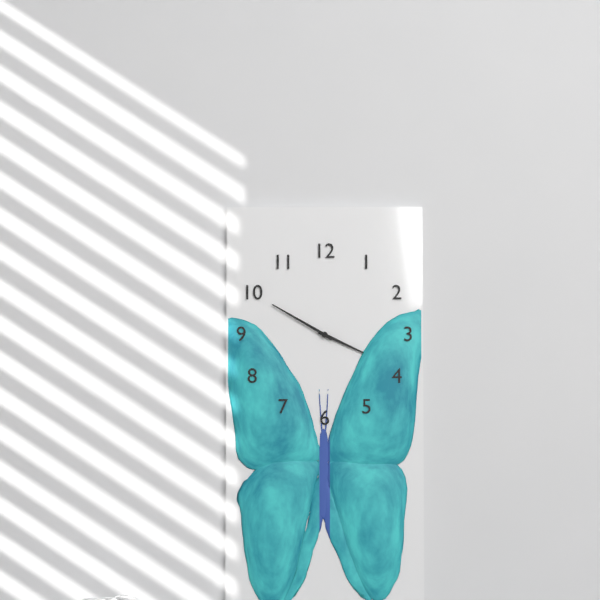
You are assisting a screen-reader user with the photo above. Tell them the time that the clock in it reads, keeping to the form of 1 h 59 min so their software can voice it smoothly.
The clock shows 3 h 50 min
